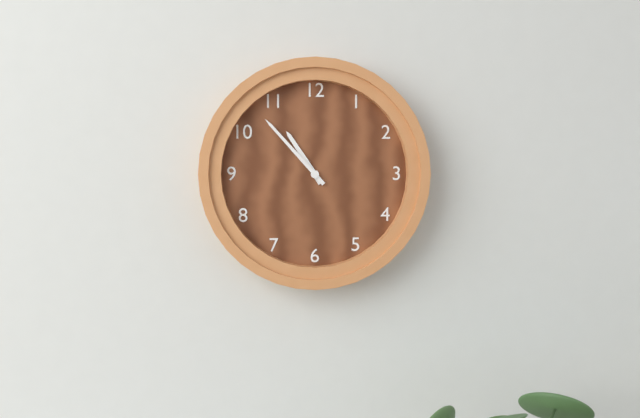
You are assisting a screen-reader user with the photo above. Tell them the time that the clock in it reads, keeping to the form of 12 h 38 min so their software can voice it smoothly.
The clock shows 10 h 53 min
